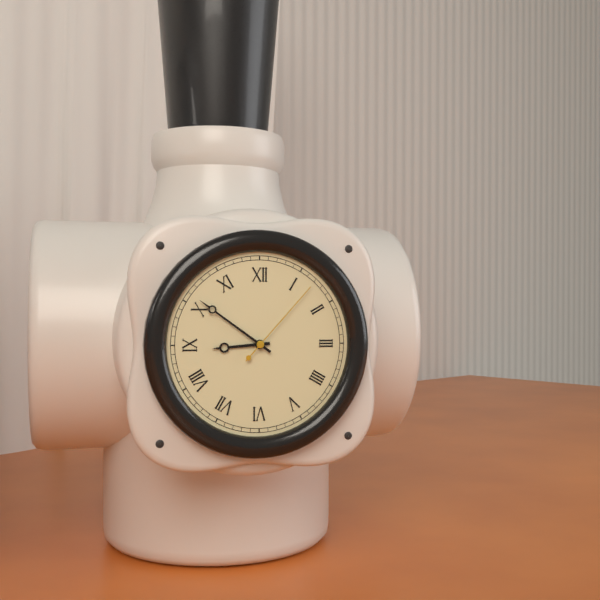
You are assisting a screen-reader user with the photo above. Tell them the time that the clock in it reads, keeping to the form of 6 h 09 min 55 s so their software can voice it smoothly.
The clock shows 8 h 51 min 07 s
